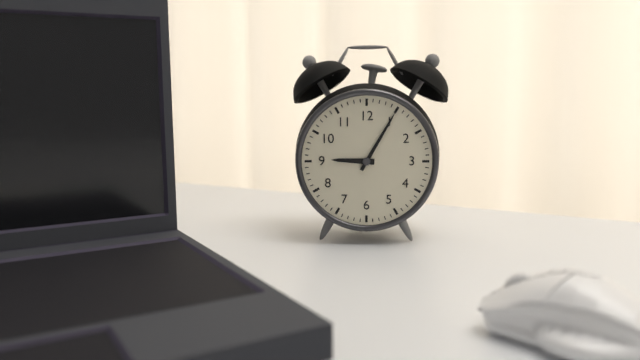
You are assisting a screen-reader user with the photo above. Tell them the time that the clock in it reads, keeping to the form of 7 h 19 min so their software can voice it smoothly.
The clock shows 9 h 05 min
